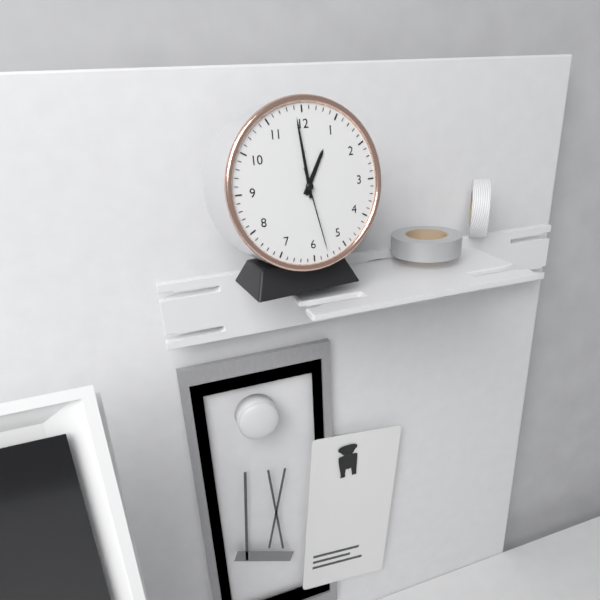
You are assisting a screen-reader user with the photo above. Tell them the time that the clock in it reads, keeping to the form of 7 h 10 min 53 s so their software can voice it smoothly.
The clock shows 12 h 59 min 28 s
